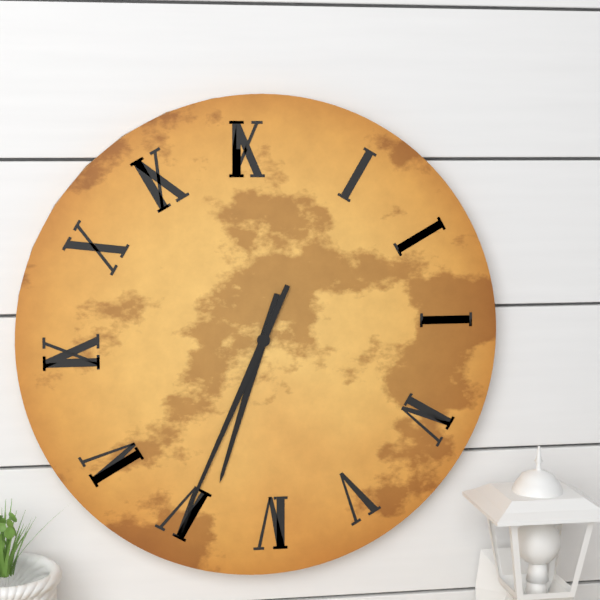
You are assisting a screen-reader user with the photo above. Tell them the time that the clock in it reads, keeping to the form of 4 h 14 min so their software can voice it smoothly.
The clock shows 6 h 34 min
